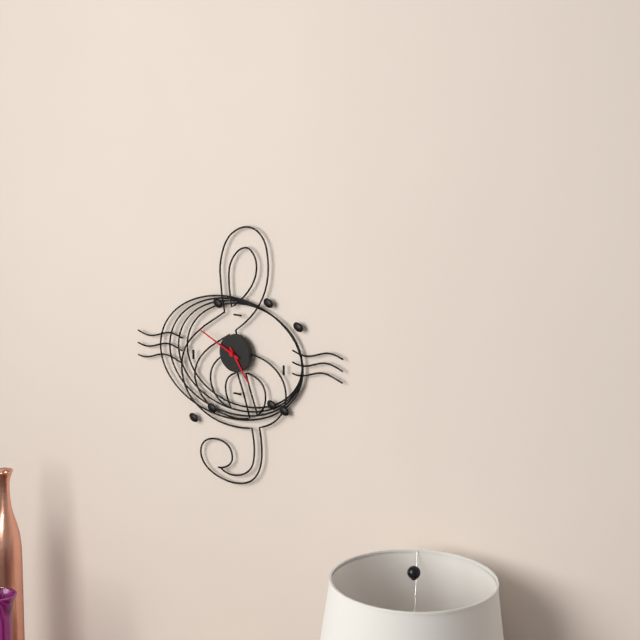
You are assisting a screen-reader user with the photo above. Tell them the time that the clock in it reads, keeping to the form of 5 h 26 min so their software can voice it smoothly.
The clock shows 4 h 49 min
